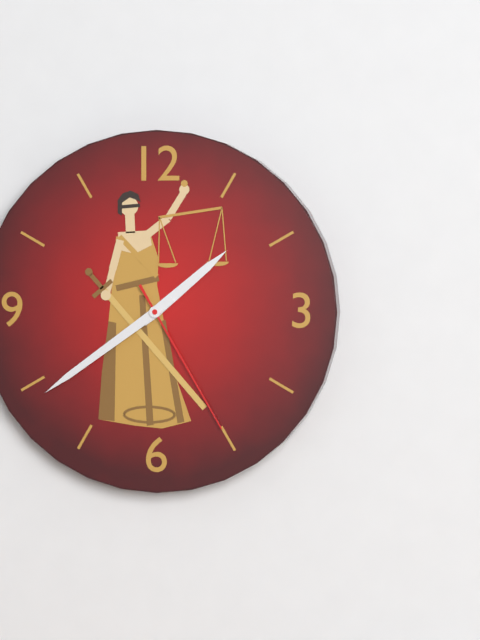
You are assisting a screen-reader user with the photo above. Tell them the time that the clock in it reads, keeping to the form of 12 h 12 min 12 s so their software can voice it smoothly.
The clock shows 1 h 39 min 25 s
